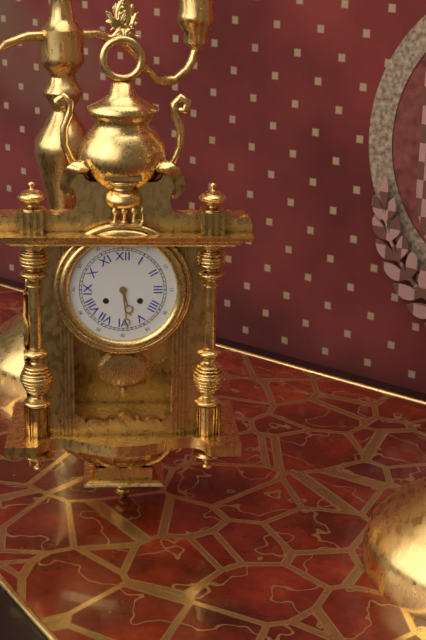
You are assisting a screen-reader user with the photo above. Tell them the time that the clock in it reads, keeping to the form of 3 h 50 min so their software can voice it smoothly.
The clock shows 5 h 29 min
